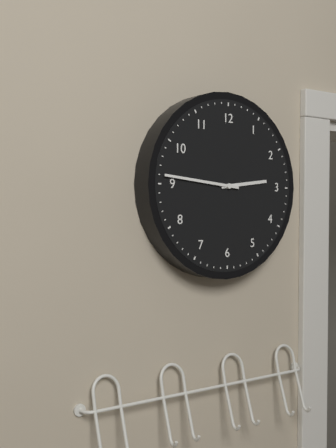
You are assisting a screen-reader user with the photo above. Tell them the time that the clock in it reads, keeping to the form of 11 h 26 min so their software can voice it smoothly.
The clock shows 2 h 46 min
